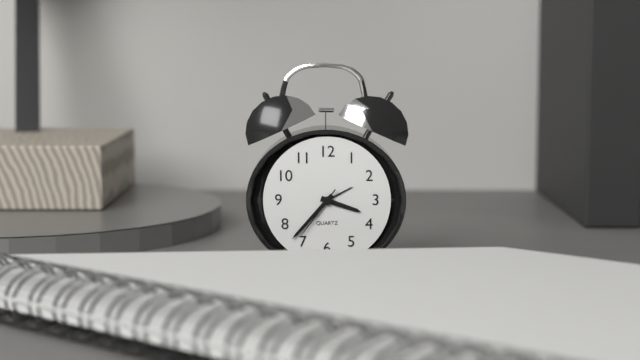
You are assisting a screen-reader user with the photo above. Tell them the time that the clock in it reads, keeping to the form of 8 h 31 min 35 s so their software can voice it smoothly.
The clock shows 3 h 37 min 36 s
